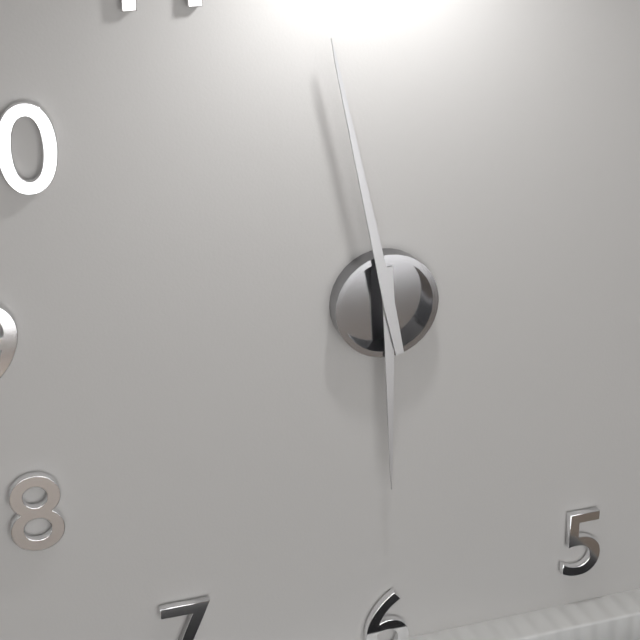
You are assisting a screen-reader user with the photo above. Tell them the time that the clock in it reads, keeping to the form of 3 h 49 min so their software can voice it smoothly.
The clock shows 5 h 58 min
